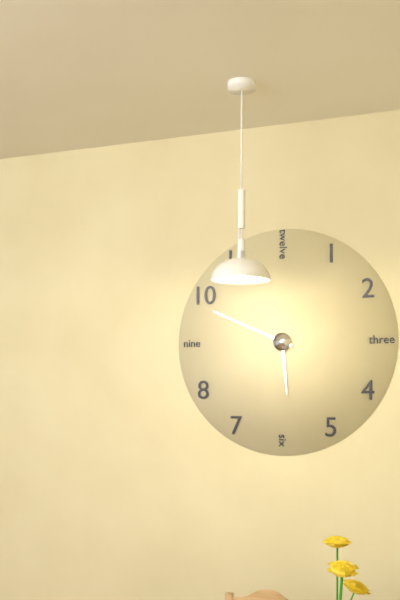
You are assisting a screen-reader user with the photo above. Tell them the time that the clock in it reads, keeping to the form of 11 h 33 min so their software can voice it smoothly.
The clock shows 5 h 49 min
